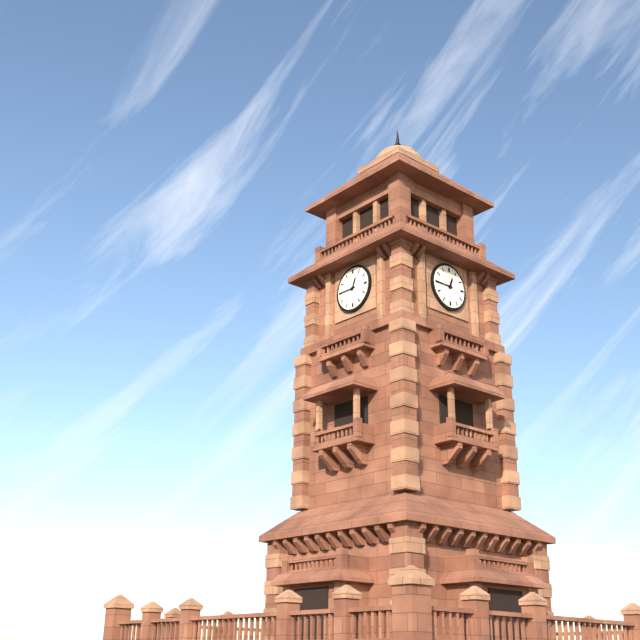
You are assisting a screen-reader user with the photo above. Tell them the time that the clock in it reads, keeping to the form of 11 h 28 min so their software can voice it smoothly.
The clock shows 12 h 45 min
